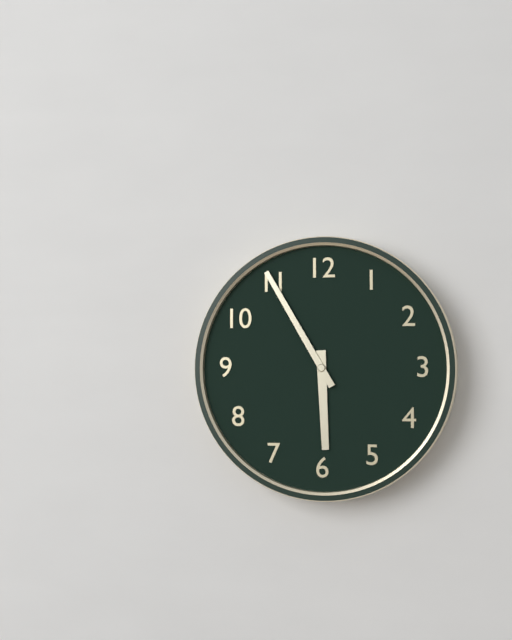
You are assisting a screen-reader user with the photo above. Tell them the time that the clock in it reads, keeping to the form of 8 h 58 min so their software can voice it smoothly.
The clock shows 5 h 55 min
